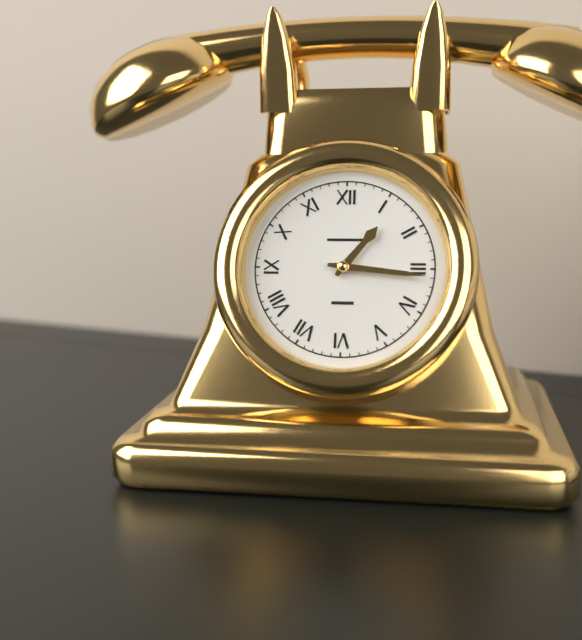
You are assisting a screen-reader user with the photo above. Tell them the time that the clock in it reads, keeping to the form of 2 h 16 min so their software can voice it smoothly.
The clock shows 1 h 16 min
